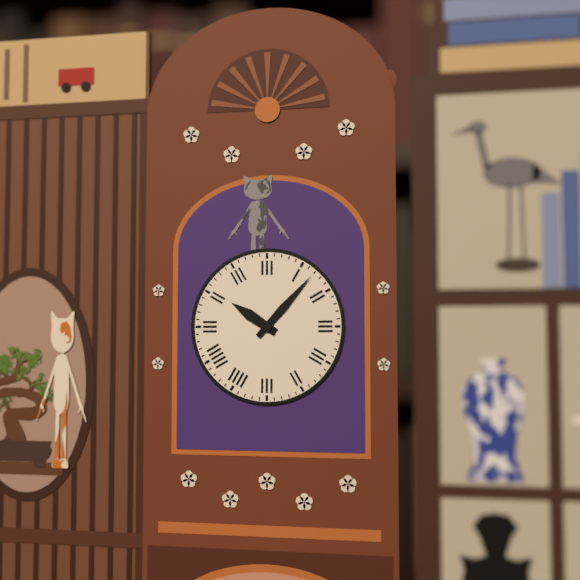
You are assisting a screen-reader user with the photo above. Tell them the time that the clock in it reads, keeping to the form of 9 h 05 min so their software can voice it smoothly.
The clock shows 10 h 07 min
